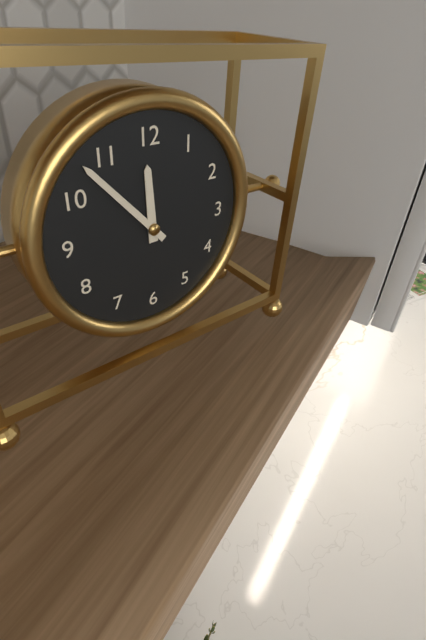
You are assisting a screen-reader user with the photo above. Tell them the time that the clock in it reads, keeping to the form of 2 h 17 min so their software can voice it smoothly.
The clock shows 11 h 53 min
